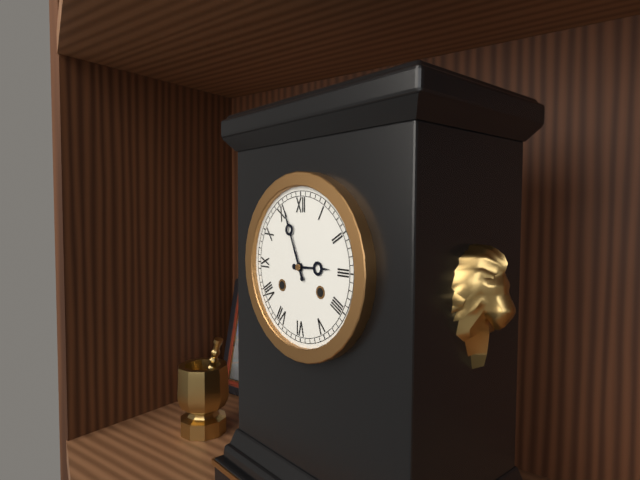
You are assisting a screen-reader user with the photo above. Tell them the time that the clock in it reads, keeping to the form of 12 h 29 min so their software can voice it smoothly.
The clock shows 2 h 56 min
